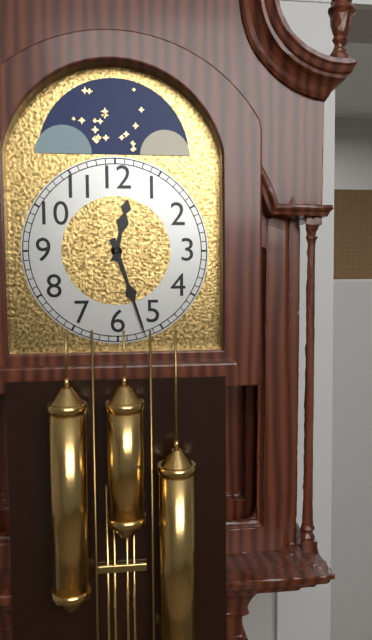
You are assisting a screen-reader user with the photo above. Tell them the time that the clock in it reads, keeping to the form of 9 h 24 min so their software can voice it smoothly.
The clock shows 12 h 27 min
